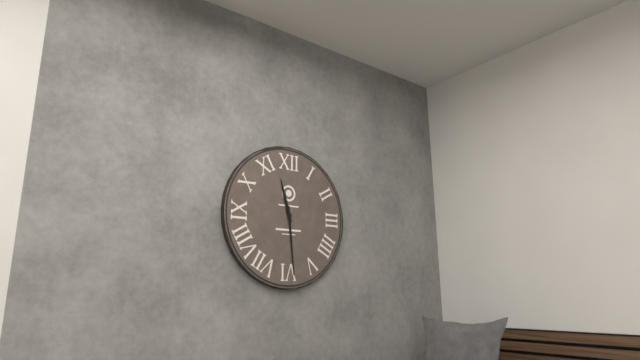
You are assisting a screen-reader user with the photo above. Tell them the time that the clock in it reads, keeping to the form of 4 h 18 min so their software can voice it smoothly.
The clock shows 11 h 29 min
